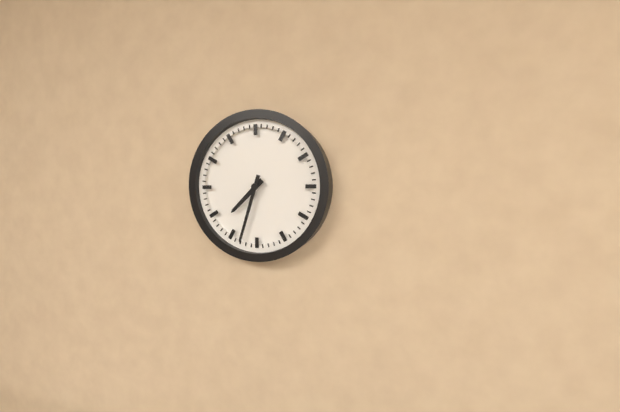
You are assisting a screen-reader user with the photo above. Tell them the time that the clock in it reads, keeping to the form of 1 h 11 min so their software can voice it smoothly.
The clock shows 7 h 33 min
